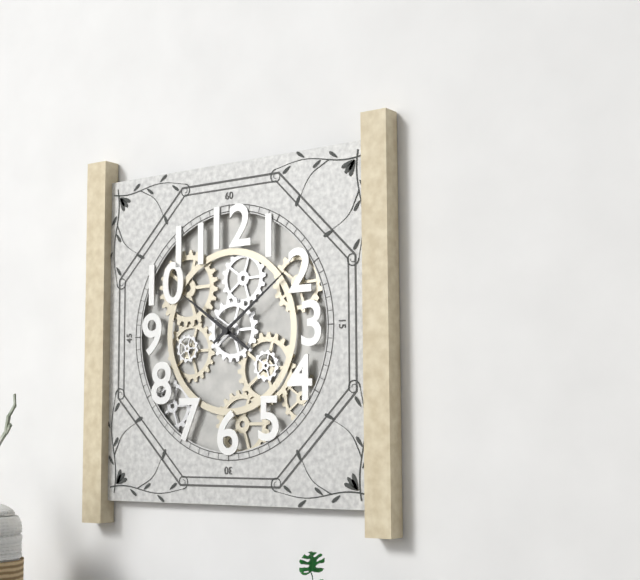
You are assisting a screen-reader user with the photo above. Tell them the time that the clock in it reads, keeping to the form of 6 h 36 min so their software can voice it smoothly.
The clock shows 10 h 09 min
